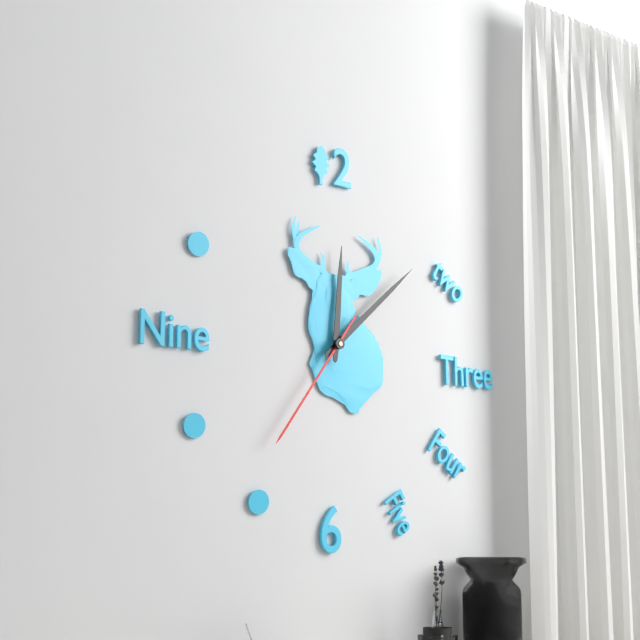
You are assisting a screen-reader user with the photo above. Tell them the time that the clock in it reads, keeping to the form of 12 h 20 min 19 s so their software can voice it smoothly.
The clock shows 12 h 08 min 36 s
